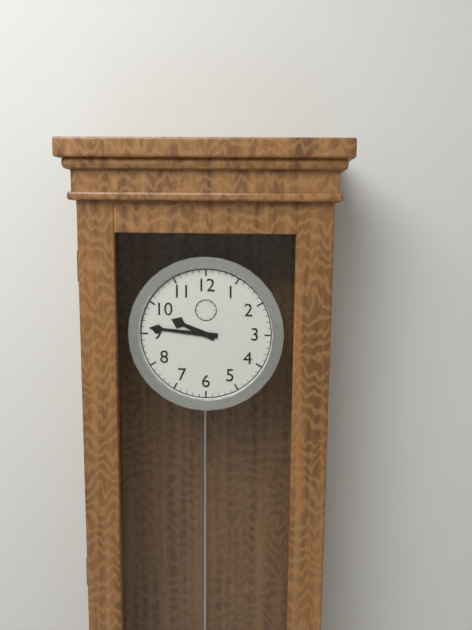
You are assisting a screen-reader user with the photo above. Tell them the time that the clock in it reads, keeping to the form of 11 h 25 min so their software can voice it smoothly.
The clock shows 9 h 46 min
